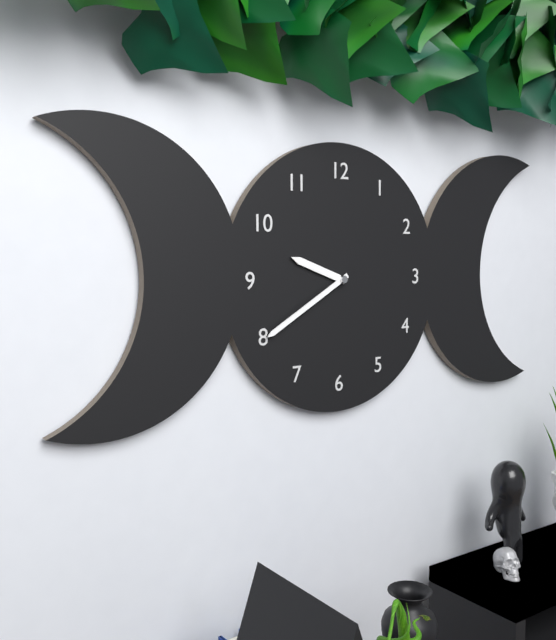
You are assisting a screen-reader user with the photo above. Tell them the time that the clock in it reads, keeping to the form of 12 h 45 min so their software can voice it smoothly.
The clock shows 9 h 40 min
